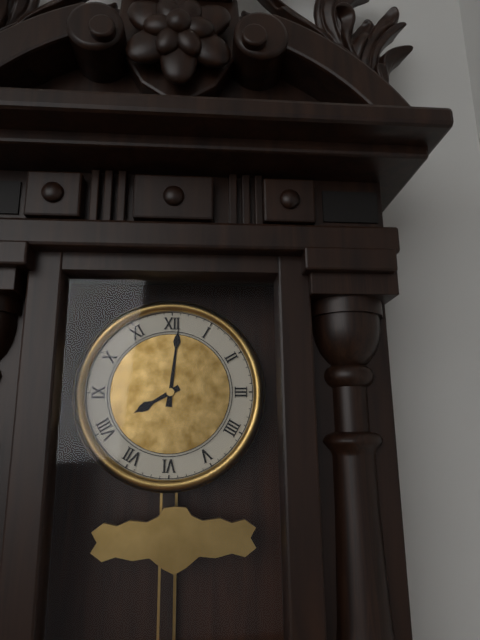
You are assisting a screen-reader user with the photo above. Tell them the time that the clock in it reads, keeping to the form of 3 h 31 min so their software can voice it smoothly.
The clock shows 8 h 01 min
